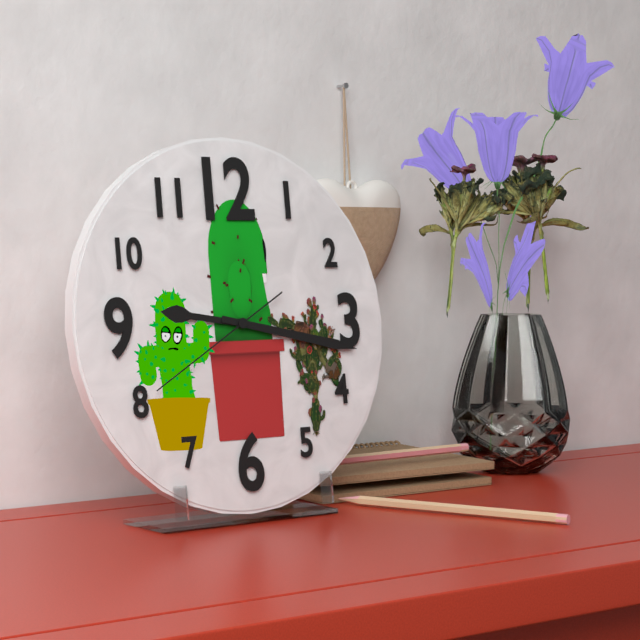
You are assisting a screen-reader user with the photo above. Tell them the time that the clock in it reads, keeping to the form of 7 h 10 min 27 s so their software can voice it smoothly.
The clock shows 9 h 17 min 40 s
